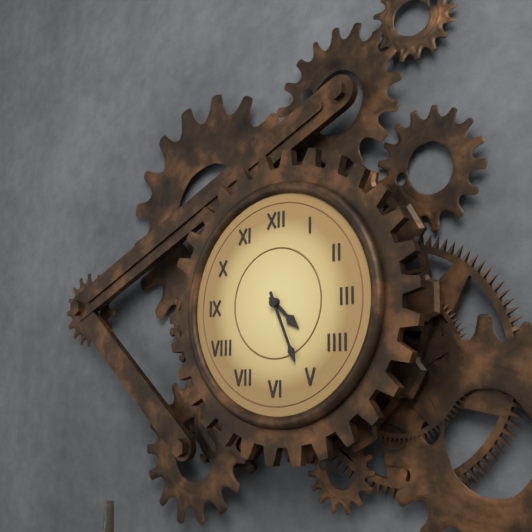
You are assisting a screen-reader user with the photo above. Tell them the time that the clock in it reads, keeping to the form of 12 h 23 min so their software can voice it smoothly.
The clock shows 4 h 26 min
